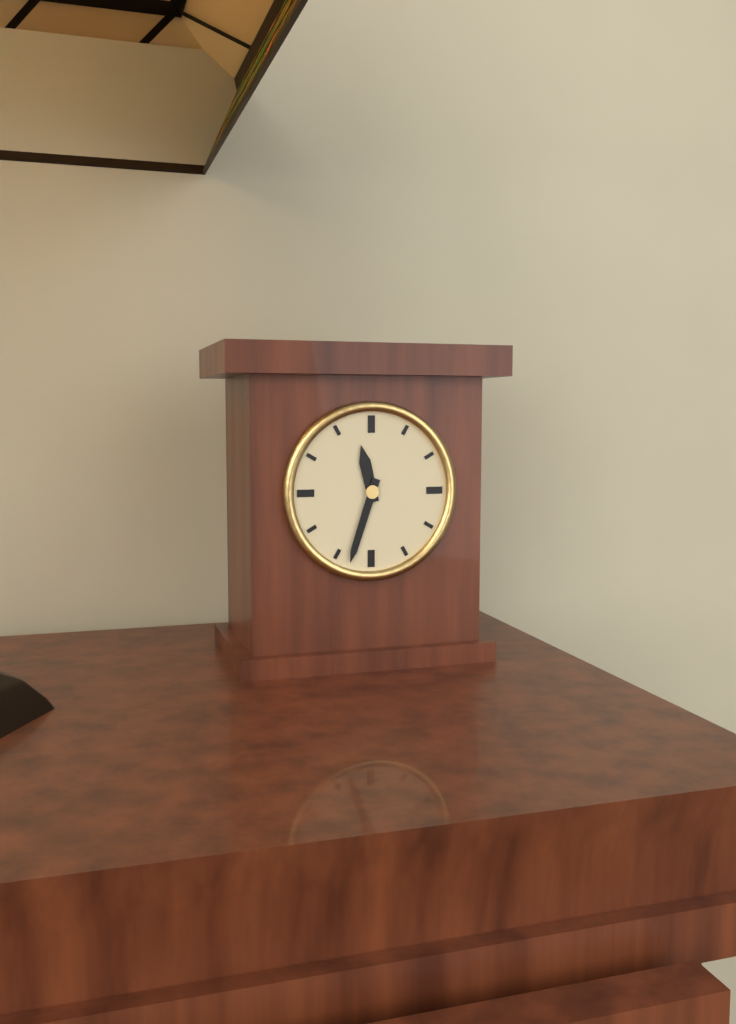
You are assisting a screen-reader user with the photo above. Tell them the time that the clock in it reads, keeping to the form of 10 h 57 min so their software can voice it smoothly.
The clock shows 11 h 33 min
